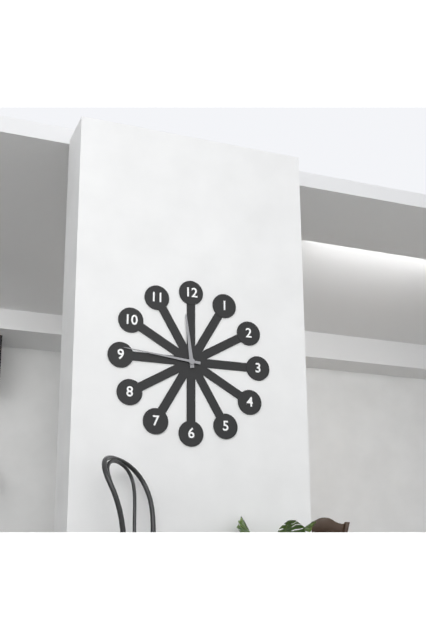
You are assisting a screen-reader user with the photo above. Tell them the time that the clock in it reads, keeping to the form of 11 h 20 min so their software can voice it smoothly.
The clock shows 11 h 46 min
